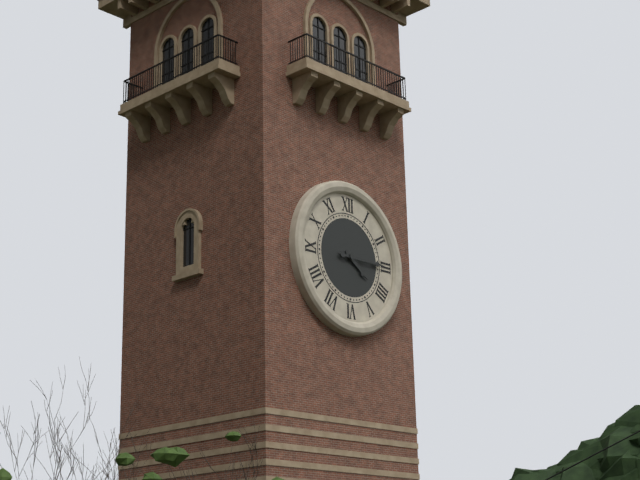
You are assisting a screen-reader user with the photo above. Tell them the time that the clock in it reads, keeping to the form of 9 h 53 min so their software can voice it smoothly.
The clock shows 4 h 15 min
